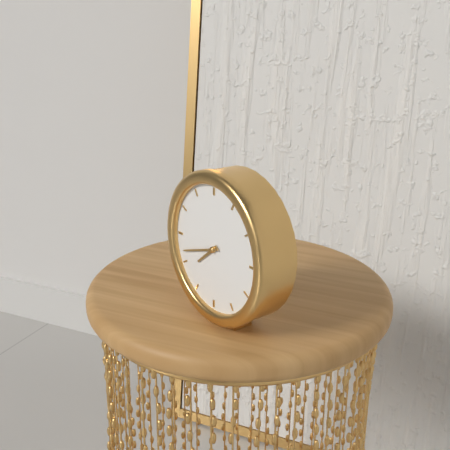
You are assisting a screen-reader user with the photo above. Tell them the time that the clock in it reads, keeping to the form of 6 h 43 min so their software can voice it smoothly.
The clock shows 7 h 42 min
